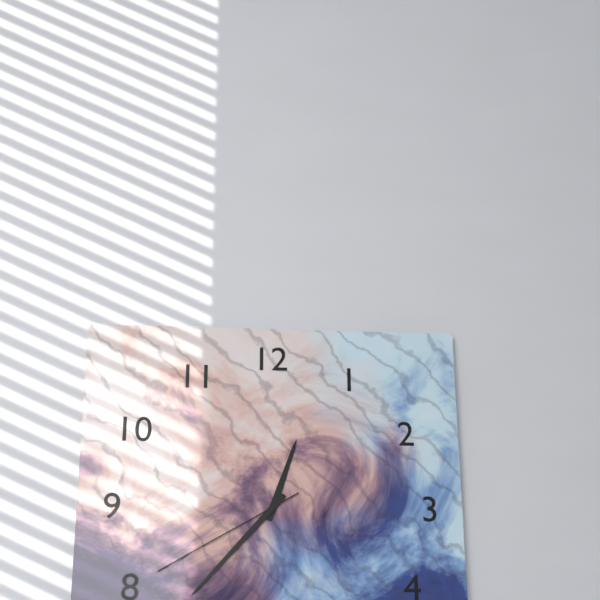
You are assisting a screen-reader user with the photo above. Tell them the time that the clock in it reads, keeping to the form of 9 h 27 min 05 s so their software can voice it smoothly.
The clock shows 12 h 37 min 40 s
